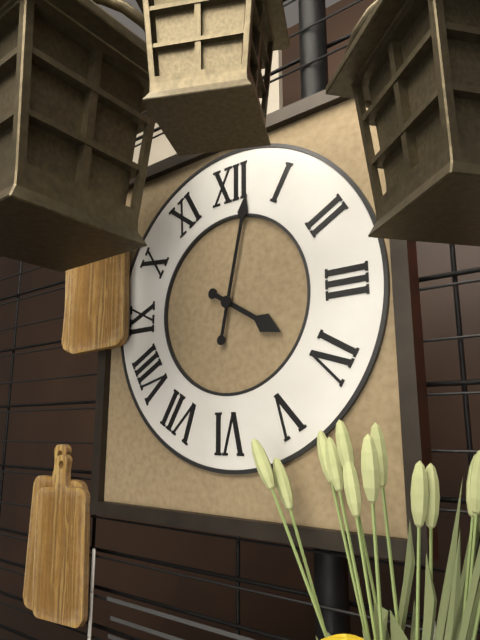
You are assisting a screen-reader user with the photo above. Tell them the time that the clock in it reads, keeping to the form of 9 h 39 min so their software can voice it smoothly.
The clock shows 4 h 02 min
